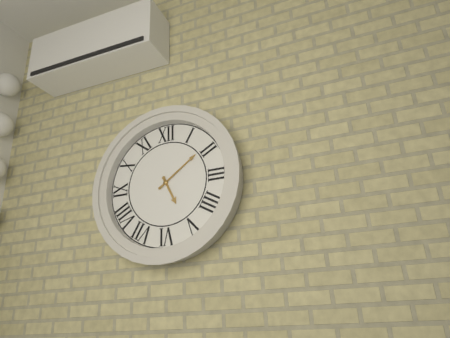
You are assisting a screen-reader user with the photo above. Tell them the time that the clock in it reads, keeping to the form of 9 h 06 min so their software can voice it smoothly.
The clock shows 5 h 09 min
